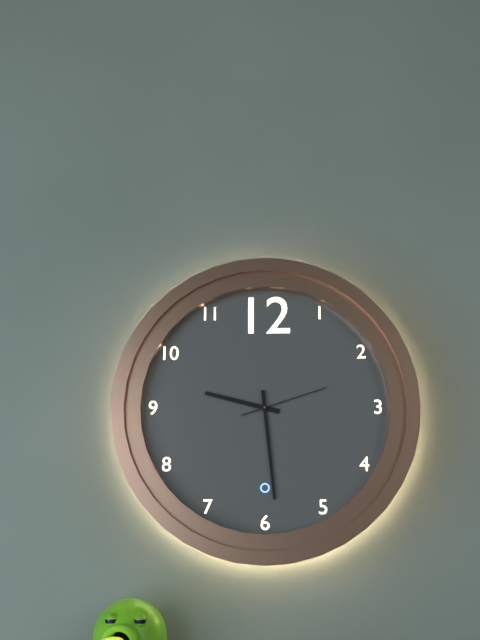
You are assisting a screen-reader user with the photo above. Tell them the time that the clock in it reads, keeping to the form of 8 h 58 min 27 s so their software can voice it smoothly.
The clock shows 9 h 29 min 12 s
